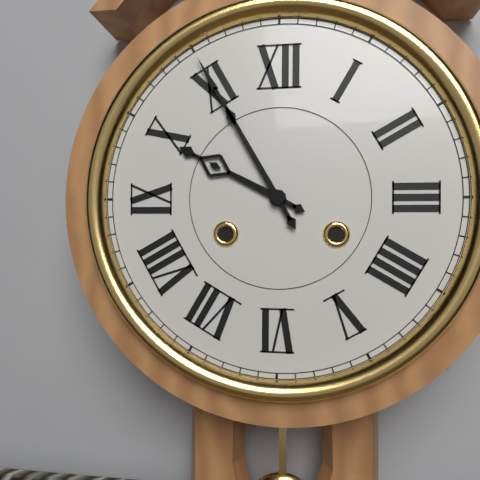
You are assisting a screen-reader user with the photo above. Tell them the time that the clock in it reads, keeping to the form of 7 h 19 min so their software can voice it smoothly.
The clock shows 9 h 55 min
